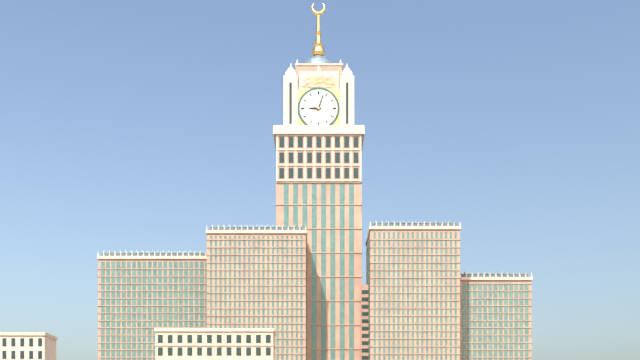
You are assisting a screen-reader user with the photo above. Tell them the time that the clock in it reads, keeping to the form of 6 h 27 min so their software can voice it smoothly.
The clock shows 9 h 03 min
